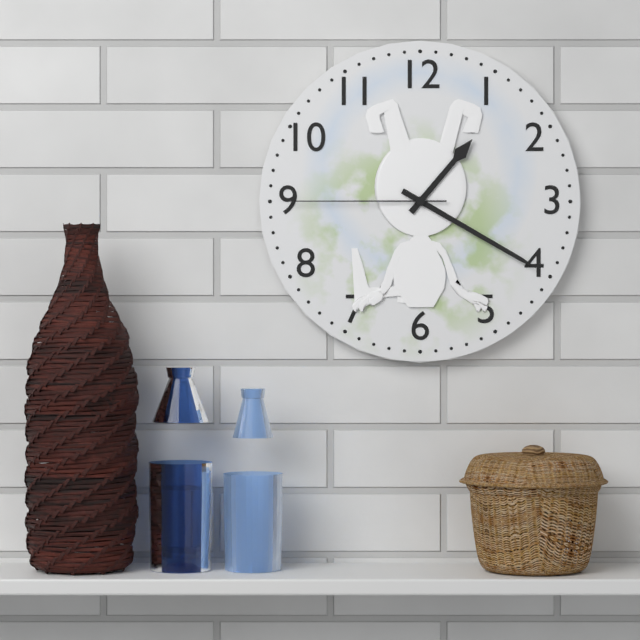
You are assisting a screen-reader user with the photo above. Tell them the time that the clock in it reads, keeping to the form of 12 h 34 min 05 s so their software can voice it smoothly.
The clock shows 1 h 20 min 45 s
